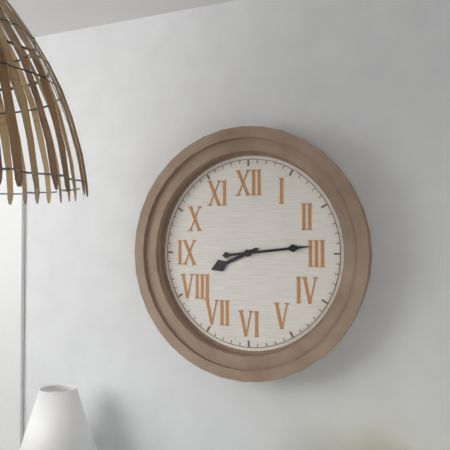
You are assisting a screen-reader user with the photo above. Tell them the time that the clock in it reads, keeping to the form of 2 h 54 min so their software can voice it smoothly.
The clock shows 8 h 14 min
